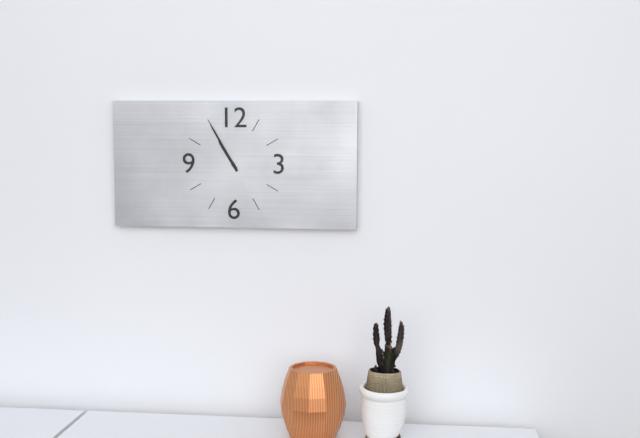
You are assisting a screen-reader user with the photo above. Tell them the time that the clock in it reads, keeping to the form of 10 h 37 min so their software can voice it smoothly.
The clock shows 10 h 55 min
